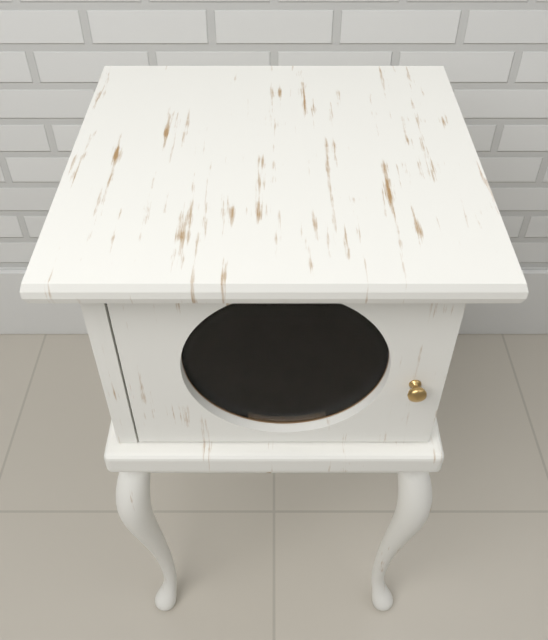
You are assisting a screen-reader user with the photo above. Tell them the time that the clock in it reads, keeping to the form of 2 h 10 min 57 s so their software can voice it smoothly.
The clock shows 11 h 22 min 38 s
